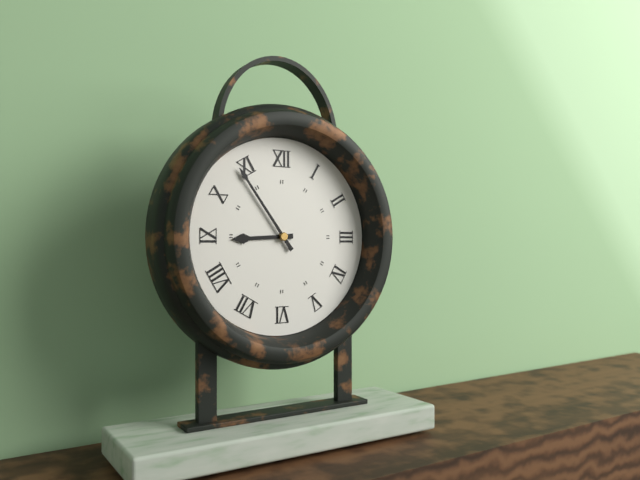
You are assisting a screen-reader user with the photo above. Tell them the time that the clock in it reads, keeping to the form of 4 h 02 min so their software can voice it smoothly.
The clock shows 8 h 54 min
